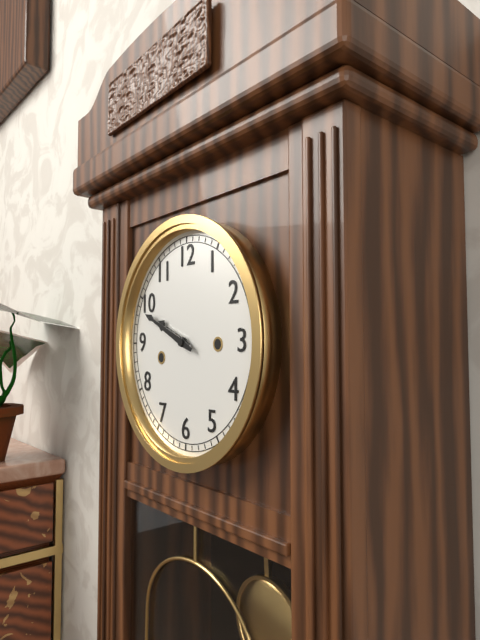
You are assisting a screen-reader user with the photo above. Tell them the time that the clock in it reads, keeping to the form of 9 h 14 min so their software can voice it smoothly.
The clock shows 9 h 49 min
